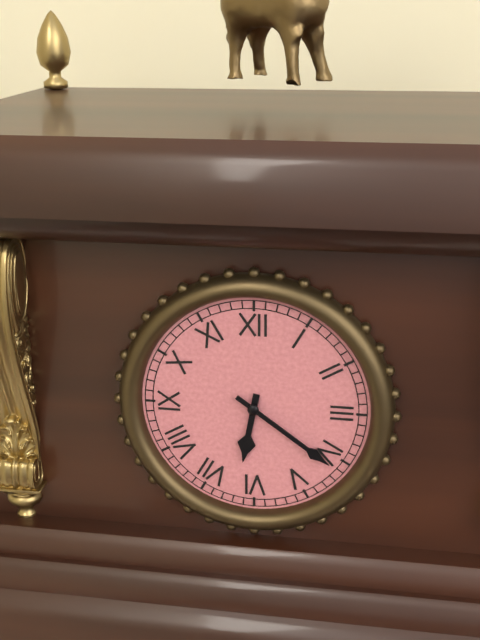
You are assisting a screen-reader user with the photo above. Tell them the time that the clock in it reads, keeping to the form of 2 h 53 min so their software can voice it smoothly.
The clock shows 6 h 21 min
